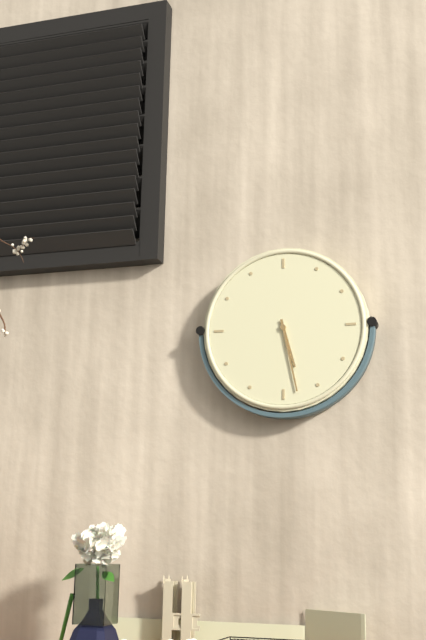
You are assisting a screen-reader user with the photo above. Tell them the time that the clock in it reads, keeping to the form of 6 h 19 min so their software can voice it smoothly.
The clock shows 5 h 28 min
